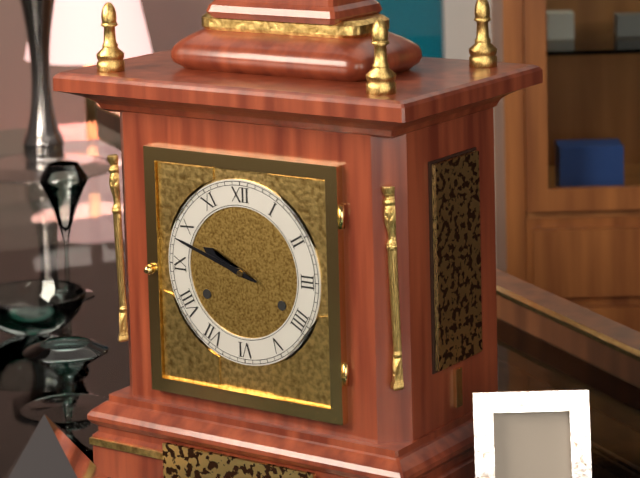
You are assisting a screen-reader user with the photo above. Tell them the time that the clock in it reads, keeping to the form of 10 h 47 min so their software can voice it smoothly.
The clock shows 9 h 48 min
